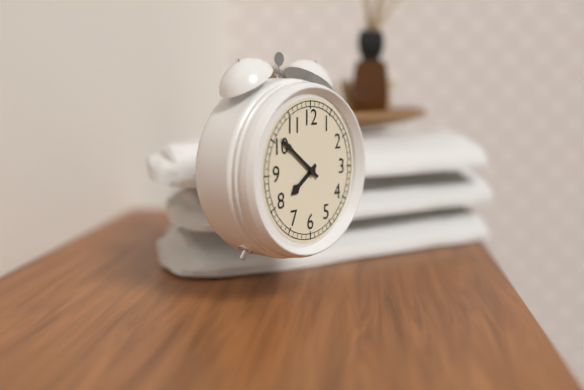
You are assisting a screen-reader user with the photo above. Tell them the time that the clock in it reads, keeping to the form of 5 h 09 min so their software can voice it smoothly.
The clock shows 7 h 51 min
